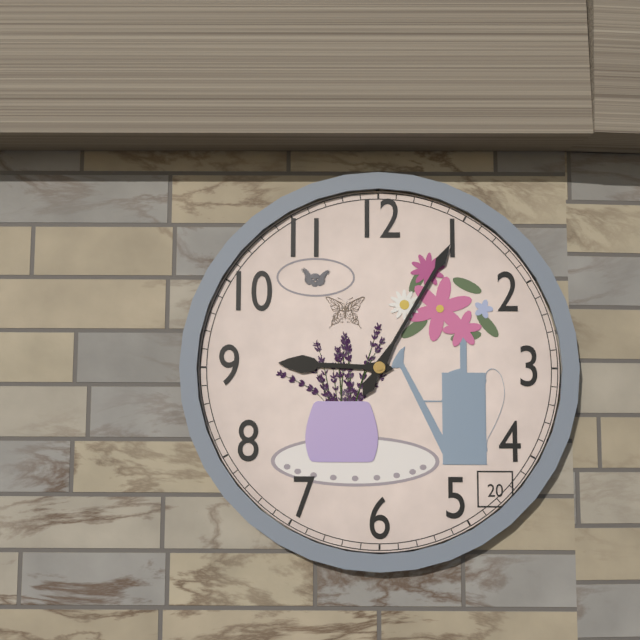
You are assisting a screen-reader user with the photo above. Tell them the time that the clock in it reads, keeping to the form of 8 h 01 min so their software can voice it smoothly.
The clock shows 9 h 05 min
